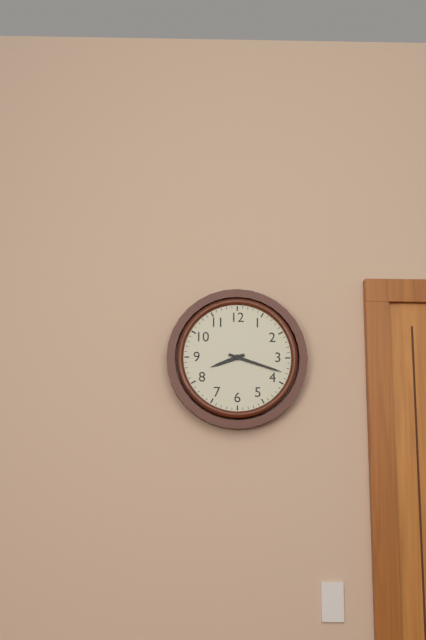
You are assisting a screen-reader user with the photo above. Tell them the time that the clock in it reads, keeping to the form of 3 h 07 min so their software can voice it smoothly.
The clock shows 8 h 18 min
